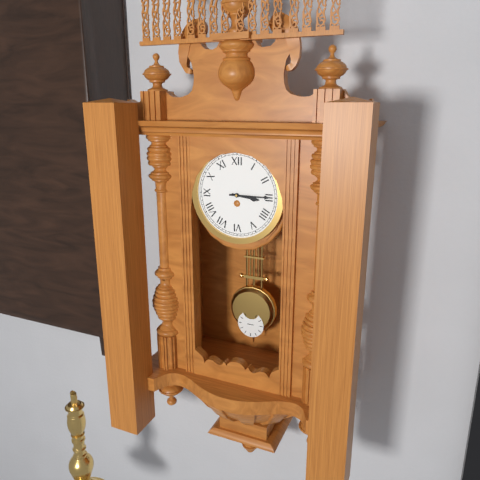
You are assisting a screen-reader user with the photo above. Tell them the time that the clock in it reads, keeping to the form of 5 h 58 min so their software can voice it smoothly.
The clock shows 3 h 15 min
